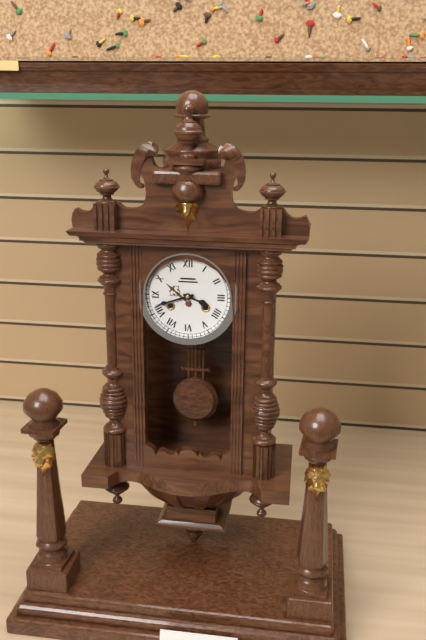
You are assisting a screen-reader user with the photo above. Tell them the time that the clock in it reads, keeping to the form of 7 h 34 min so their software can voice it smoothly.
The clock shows 3 h 42 min
